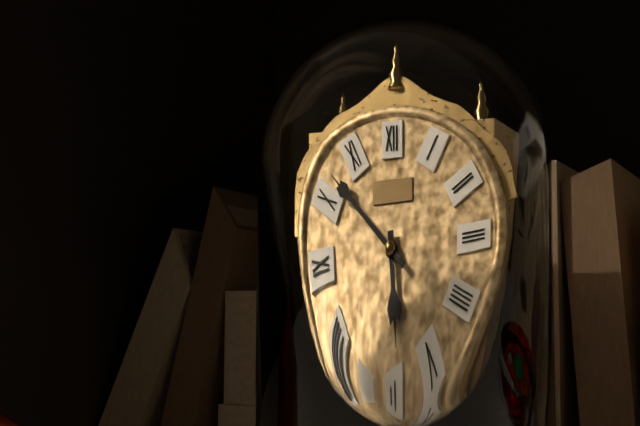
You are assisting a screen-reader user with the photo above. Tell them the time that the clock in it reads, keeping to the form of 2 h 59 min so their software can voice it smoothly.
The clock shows 5 h 52 min
